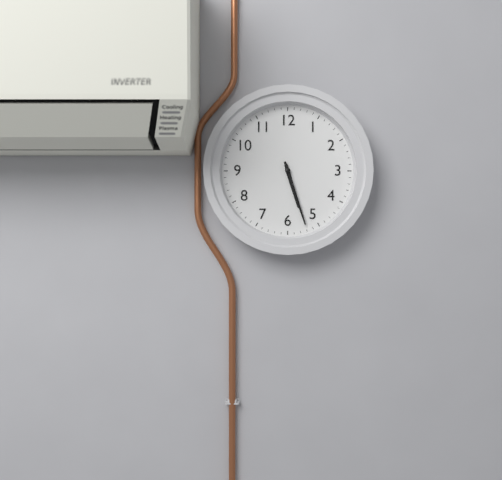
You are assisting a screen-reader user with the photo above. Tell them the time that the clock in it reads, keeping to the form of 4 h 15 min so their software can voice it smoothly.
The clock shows 5 h 27 min
